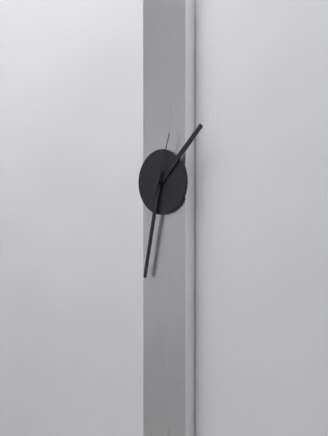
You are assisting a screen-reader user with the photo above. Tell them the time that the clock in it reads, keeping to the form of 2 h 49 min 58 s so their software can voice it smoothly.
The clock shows 1 h 32 min 03 s
